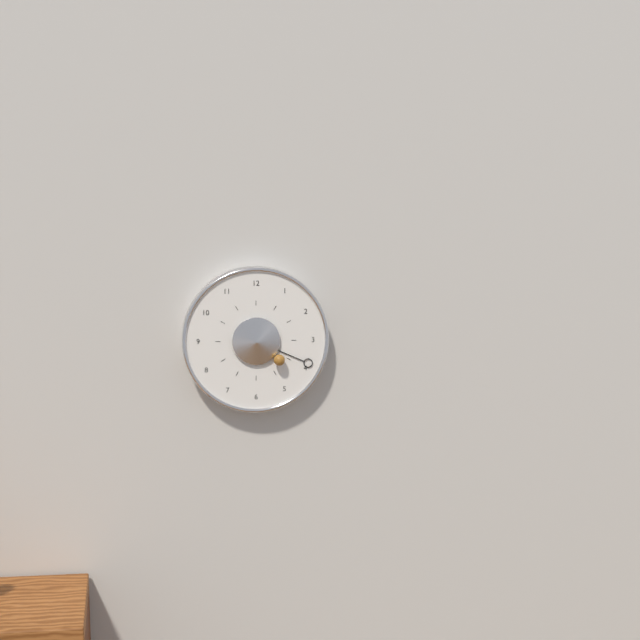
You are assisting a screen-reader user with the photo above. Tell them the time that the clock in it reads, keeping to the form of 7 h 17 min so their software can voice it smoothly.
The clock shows 4 h 19 min
